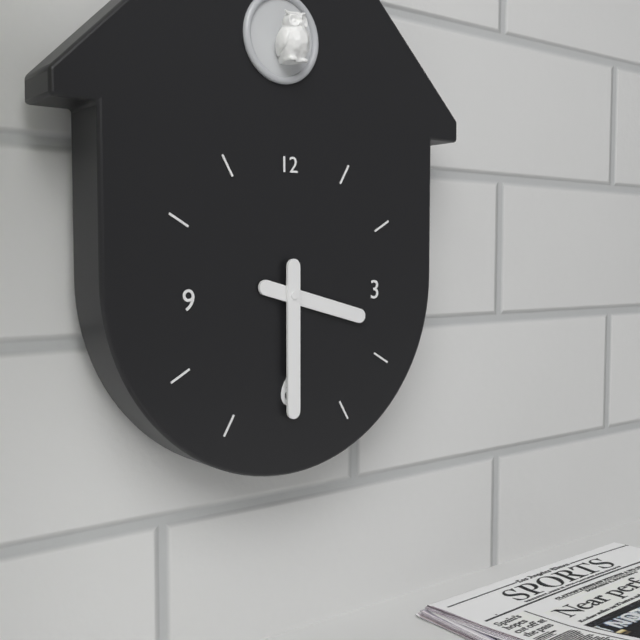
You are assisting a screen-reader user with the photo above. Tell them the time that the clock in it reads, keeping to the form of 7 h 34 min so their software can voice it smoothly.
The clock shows 3 h 30 min
